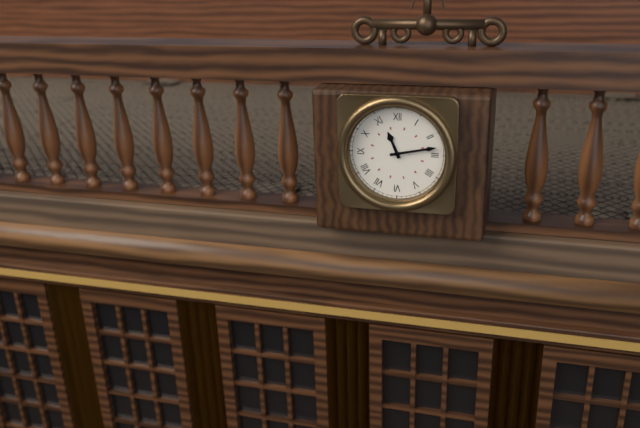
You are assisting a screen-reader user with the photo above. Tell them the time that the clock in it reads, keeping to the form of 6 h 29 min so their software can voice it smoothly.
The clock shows 11 h 13 min
